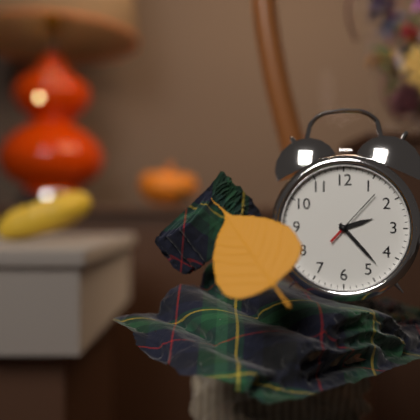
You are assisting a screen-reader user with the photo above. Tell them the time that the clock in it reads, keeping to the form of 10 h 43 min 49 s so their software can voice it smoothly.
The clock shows 2 h 23 min 07 s
